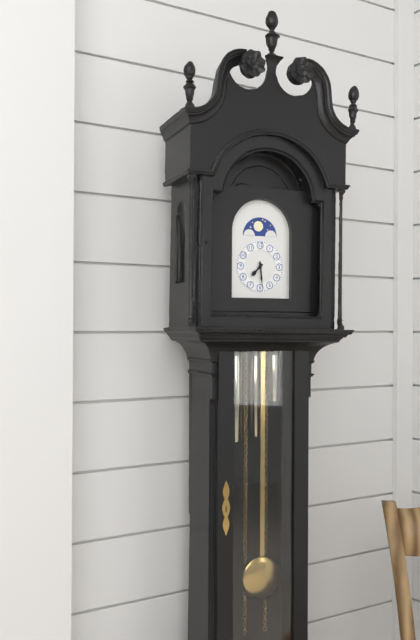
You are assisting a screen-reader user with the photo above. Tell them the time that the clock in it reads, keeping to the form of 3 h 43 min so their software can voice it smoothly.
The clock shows 7 h 29 min
